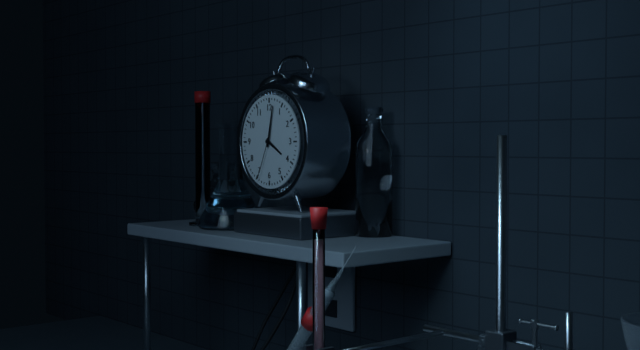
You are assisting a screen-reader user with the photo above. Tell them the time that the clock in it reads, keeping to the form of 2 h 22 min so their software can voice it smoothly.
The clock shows 4 h 02 min
